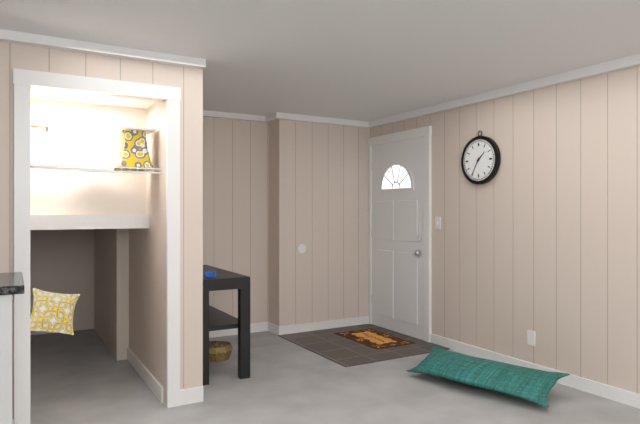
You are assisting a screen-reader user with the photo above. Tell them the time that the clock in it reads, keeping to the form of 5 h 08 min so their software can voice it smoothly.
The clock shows 1 h 35 min
